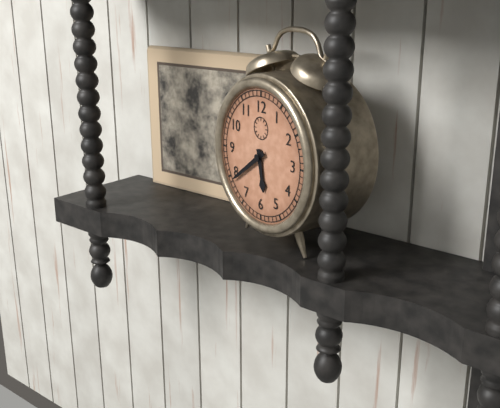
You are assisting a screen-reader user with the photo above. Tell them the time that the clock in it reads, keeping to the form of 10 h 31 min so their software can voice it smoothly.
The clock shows 5 h 39 min
